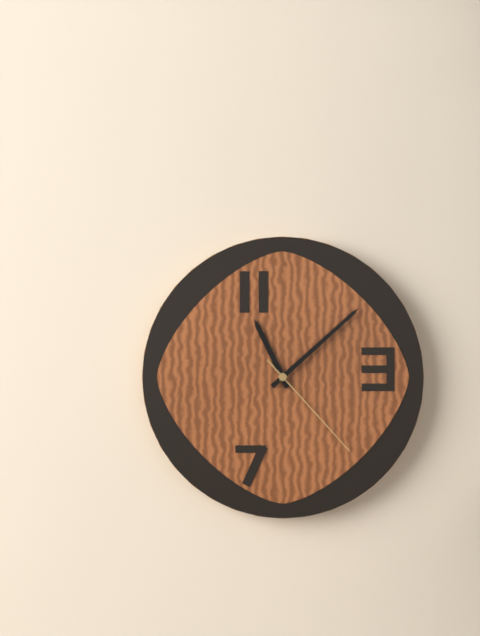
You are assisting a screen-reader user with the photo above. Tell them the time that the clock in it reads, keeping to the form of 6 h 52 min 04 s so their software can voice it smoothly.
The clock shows 11 h 08 min 23 s
